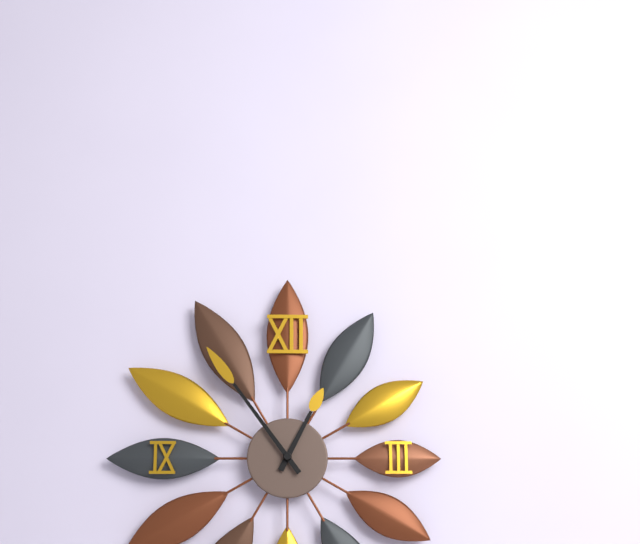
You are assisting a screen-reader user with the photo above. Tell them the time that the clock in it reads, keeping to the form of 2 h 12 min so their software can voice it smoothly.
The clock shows 12 h 54 min
